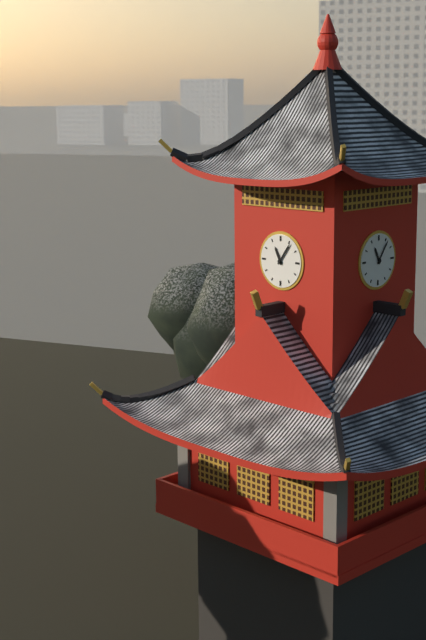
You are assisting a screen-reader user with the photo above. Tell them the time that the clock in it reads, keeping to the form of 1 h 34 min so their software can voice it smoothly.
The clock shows 11 h 06 min
